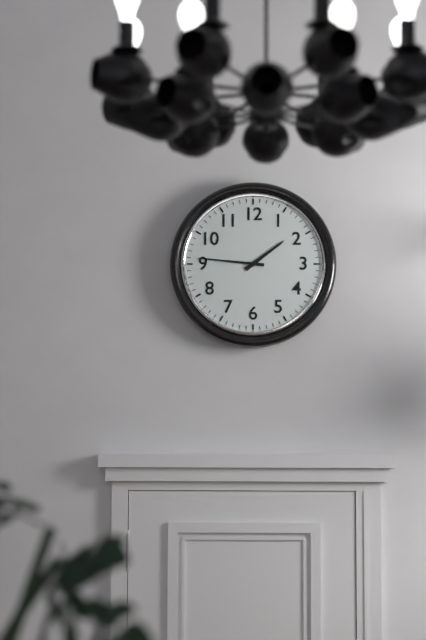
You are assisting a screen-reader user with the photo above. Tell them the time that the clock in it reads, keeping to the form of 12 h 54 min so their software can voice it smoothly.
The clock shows 1 h 46 min
